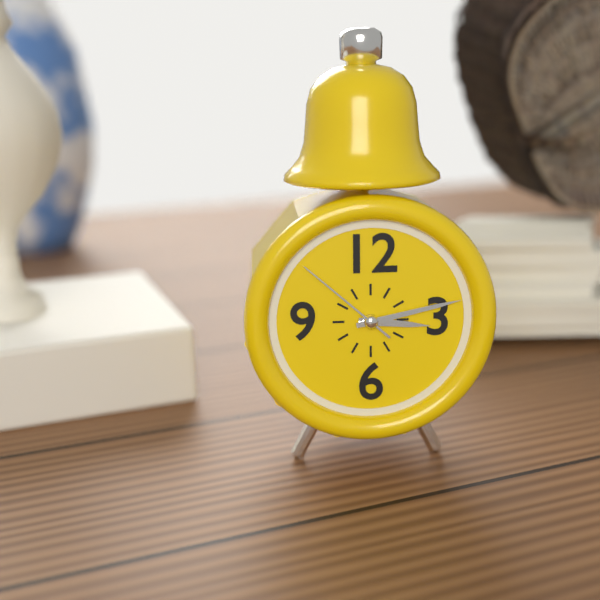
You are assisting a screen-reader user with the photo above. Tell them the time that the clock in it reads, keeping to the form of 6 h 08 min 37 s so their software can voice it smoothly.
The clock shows 3 h 13 min 52 s
